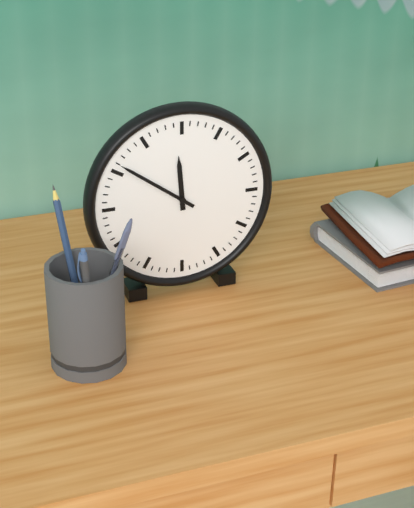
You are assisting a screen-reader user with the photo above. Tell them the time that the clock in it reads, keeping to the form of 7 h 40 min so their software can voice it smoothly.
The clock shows 11 h 51 min
